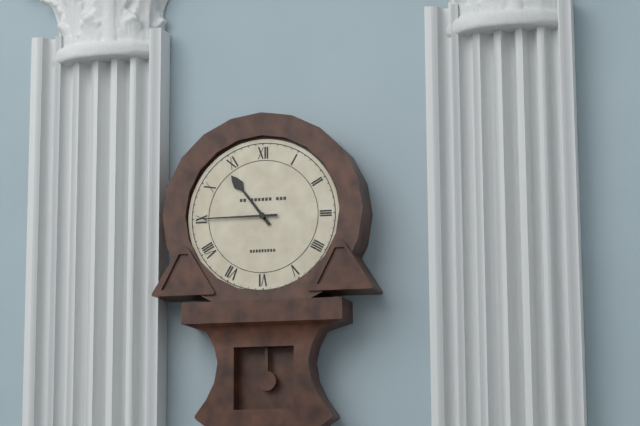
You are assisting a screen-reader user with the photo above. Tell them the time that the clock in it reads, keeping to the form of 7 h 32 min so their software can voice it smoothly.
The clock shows 10 h 45 min
